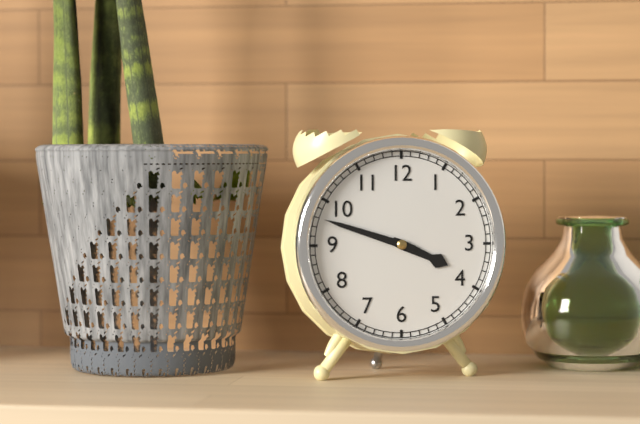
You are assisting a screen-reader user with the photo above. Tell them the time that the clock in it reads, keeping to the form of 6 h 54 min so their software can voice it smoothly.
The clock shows 3 h 48 min
